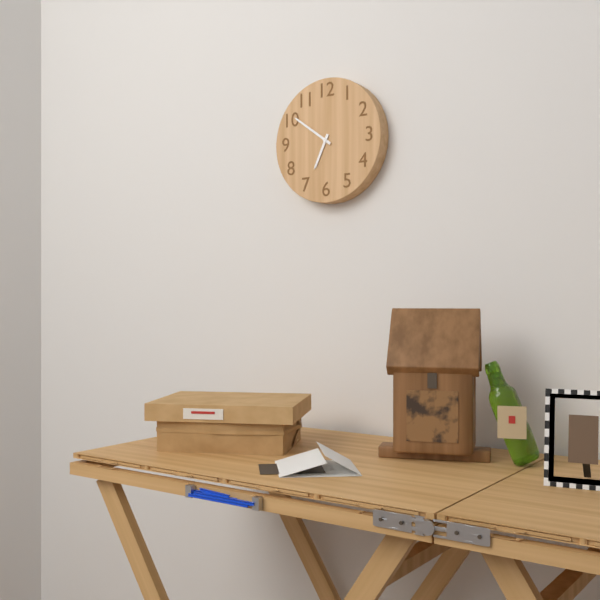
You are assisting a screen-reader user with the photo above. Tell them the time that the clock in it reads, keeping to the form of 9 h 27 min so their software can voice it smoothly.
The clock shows 6 h 51 min
